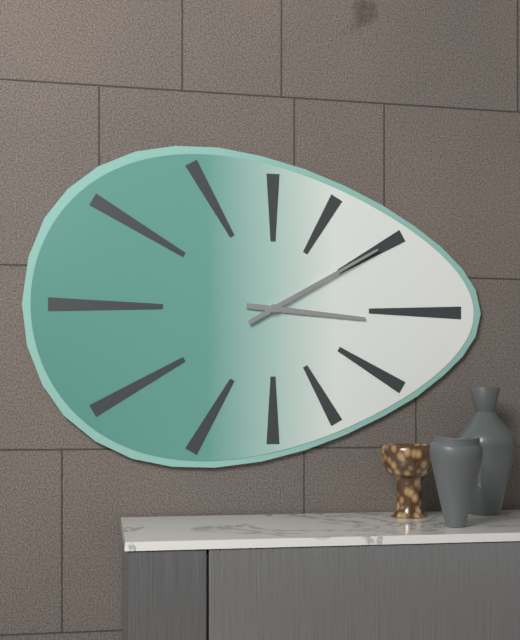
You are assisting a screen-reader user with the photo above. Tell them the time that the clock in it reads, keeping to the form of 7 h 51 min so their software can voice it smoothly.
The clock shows 3 h 10 min
